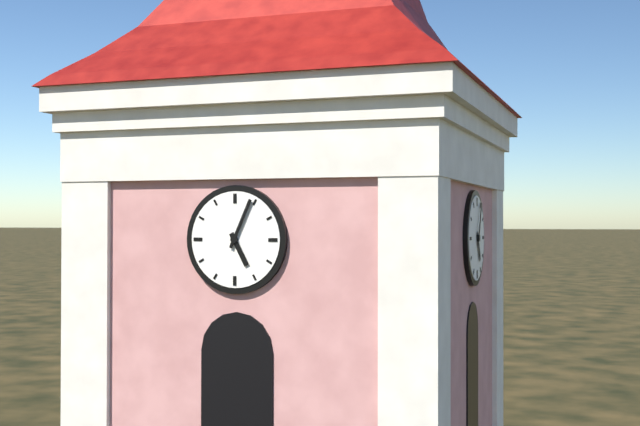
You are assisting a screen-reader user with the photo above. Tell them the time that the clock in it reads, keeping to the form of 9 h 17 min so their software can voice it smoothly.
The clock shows 5 h 04 min
